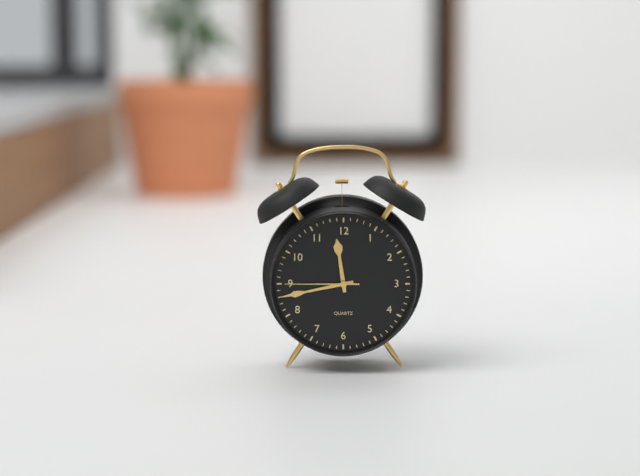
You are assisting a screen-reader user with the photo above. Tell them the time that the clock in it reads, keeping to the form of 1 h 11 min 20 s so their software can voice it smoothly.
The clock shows 11 h 43 min 45 s
